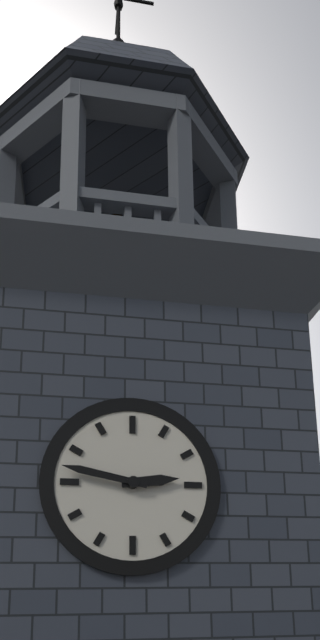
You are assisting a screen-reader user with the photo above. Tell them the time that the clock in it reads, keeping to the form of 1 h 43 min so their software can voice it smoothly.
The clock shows 2 h 47 min
